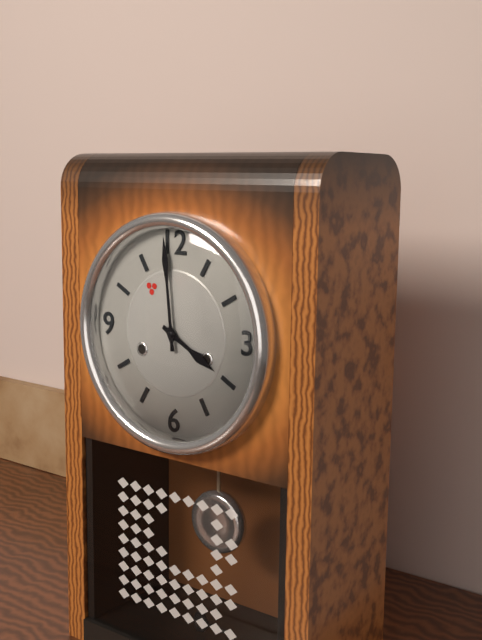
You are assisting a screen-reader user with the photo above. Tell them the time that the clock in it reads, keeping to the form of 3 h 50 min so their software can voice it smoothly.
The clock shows 3 h 59 min
